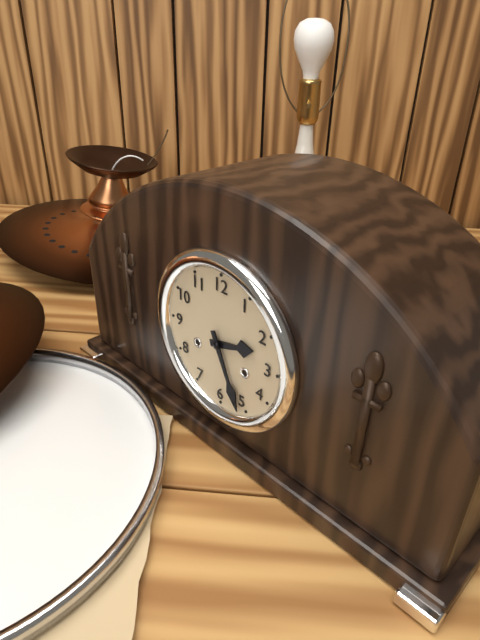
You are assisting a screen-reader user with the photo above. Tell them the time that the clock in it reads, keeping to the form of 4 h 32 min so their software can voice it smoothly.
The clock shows 2 h 26 min
